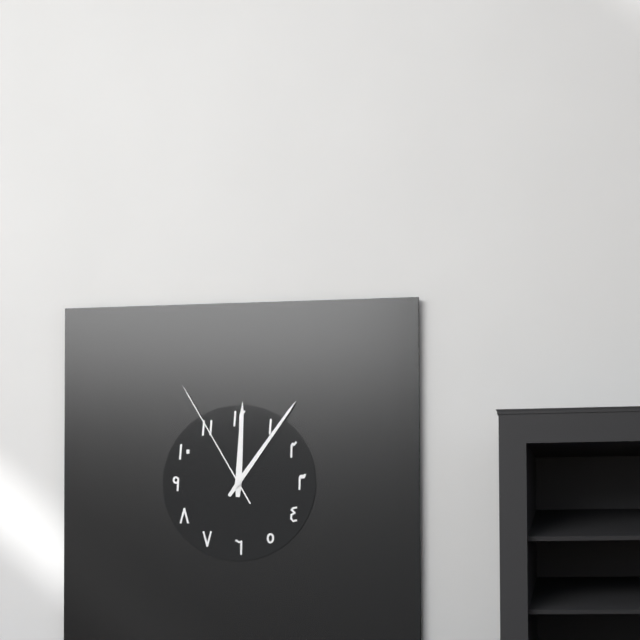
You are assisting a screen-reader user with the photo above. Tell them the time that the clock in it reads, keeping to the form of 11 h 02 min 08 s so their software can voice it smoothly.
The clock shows 12 h 06 min 55 s
